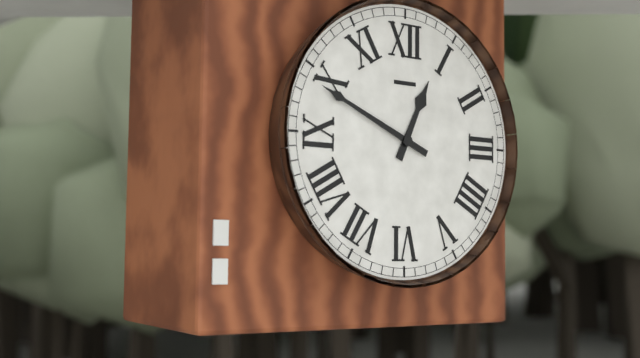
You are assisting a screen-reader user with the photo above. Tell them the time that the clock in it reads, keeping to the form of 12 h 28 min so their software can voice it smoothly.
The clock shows 12 h 49 min
